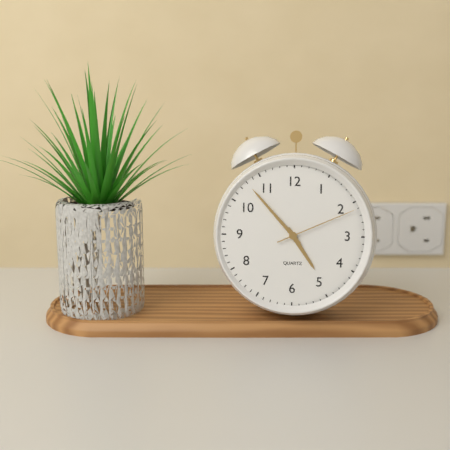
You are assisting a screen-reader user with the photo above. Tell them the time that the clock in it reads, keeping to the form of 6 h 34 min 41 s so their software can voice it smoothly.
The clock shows 4 h 53 min 11 s
